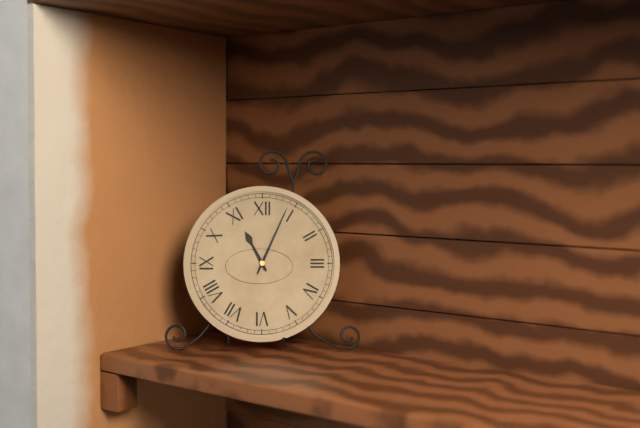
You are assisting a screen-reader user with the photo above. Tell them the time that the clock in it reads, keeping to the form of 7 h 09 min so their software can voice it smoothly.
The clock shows 11 h 04 min
